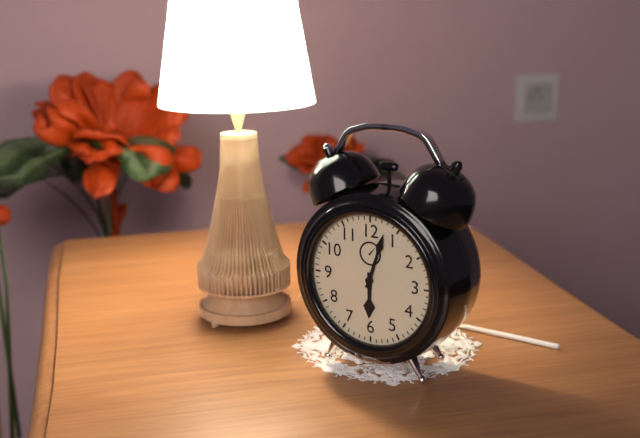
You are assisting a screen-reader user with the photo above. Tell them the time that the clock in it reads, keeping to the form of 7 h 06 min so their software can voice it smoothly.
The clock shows 6 h 03 min
